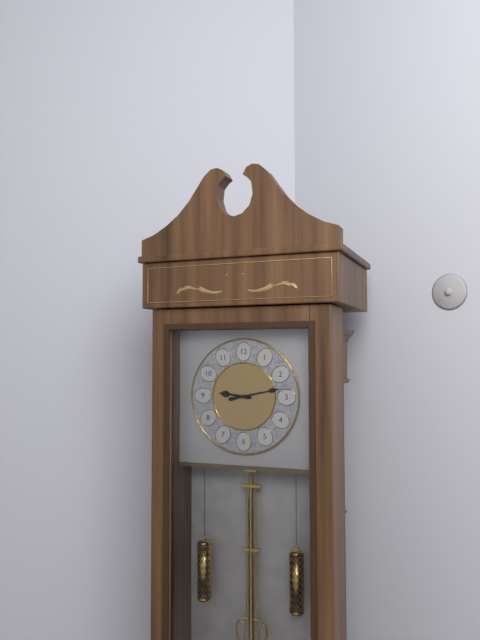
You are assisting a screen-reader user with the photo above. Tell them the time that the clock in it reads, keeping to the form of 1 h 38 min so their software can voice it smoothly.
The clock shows 9 h 13 min
